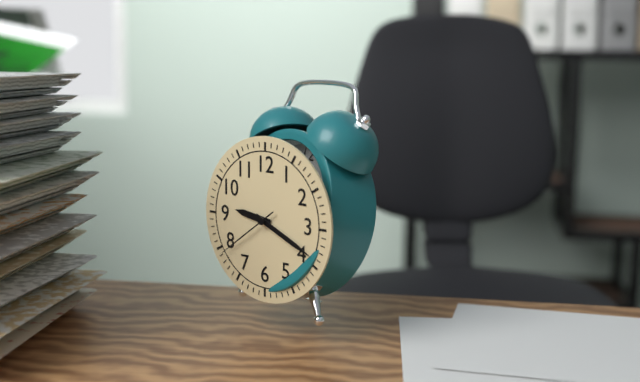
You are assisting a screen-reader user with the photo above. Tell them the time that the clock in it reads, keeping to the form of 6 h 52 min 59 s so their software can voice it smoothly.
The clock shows 9 h 19 min 39 s
